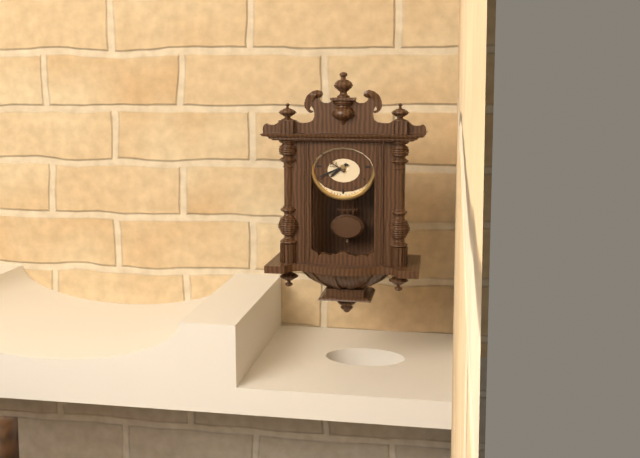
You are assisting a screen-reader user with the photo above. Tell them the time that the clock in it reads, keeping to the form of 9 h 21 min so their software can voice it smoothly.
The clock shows 7 h 41 min
